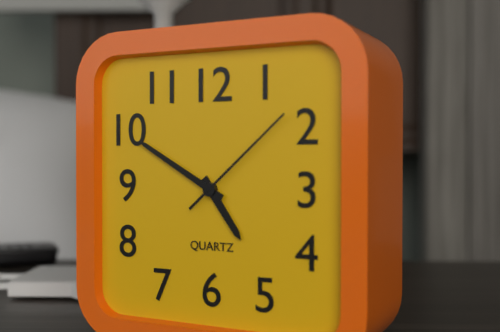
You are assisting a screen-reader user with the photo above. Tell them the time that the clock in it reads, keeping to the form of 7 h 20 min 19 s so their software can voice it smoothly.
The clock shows 4 h 50 min 08 s
